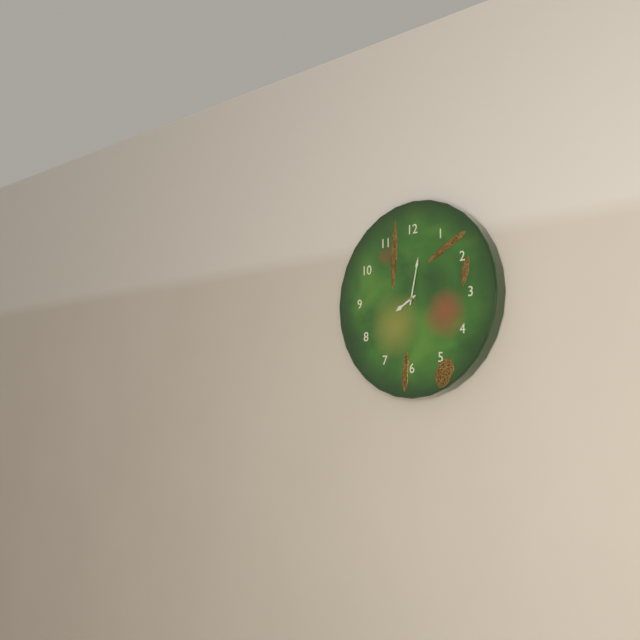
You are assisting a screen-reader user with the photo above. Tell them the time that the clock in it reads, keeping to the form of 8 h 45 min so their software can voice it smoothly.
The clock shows 8 h 02 min
